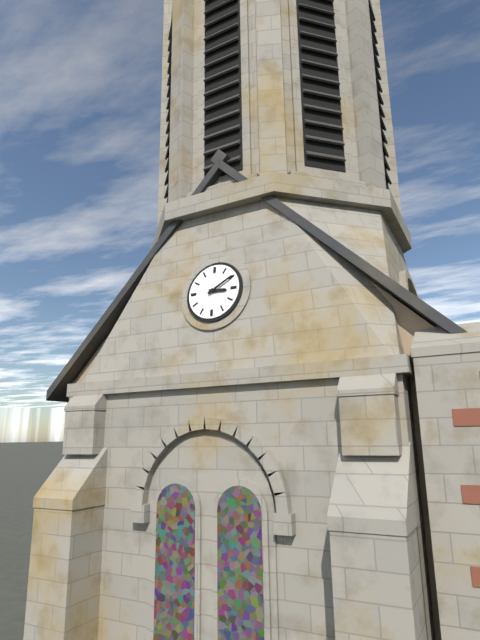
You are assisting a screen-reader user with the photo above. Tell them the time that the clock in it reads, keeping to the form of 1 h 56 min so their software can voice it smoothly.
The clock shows 3 h 10 min
